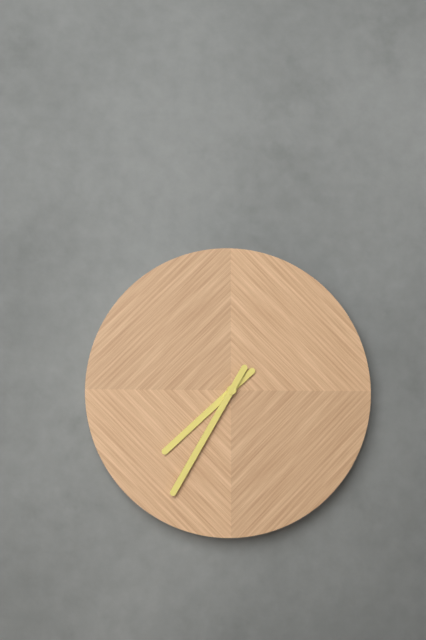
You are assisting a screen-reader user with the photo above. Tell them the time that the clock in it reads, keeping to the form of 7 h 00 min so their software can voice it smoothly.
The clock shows 7 h 35 min
